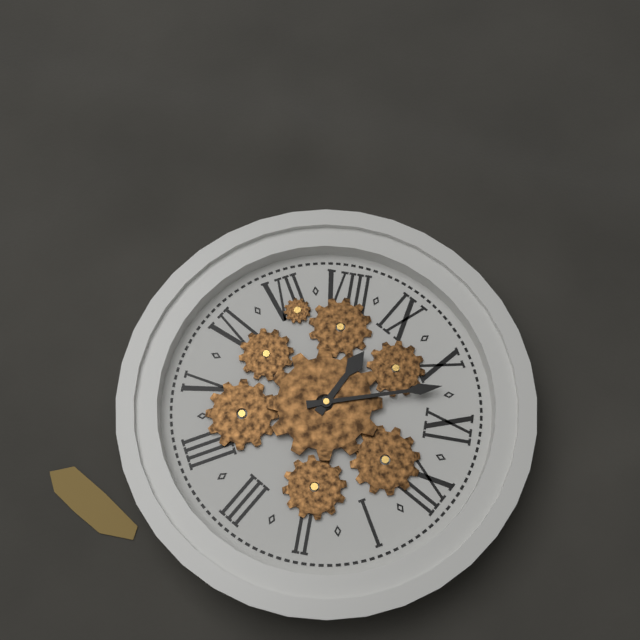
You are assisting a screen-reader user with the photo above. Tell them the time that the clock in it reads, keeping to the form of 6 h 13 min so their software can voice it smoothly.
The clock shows 8 h 52 min
